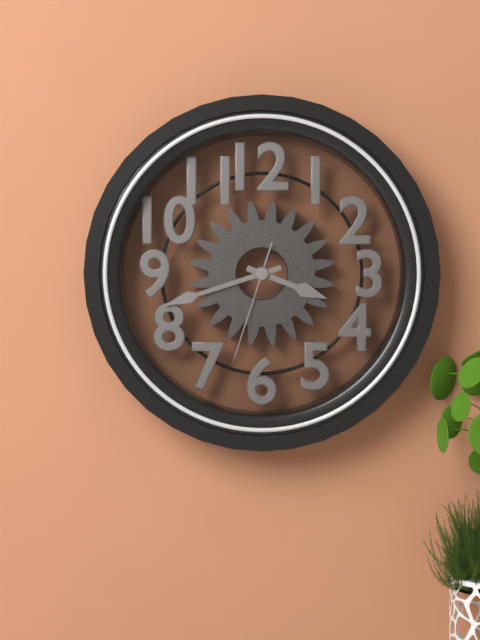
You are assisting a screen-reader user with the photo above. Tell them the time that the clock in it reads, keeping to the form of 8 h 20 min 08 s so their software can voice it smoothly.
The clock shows 3 h 42 min 33 s
